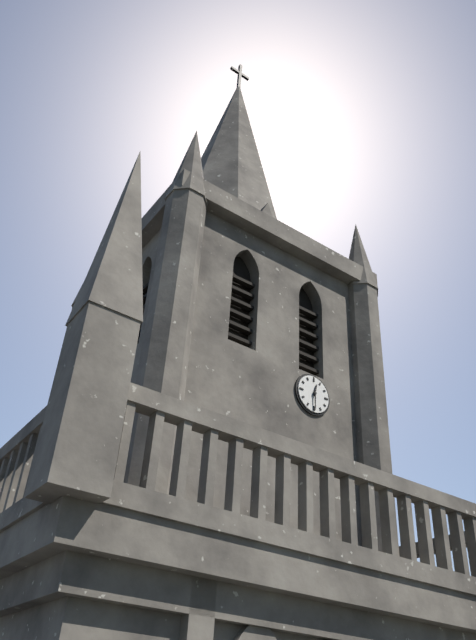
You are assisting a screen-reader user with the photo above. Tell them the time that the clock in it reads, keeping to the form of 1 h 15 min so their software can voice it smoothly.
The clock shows 12 h 30 min
